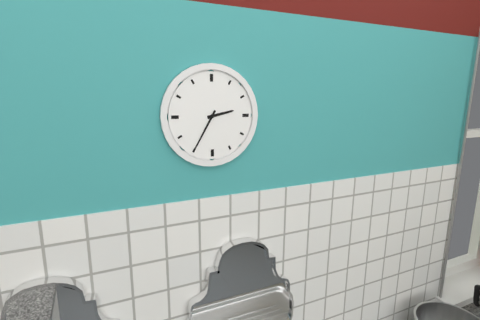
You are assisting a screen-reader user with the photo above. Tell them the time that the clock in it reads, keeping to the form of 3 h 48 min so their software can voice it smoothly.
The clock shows 2 h 35 min
